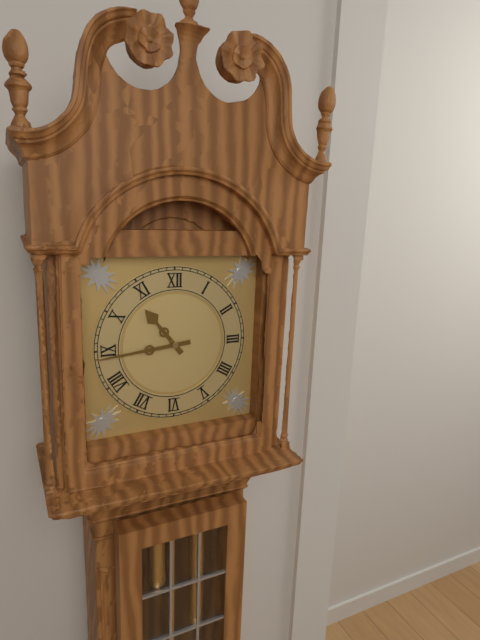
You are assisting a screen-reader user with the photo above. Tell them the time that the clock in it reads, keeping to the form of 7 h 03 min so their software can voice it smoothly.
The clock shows 10 h 44 min
